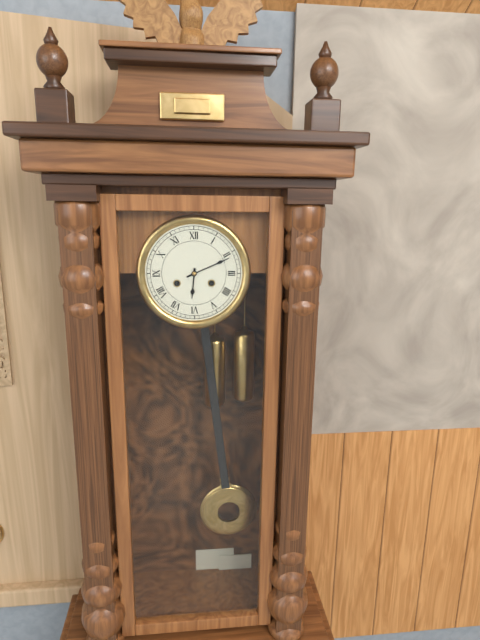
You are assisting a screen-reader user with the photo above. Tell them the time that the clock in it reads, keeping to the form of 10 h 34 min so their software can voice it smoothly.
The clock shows 6 h 11 min
